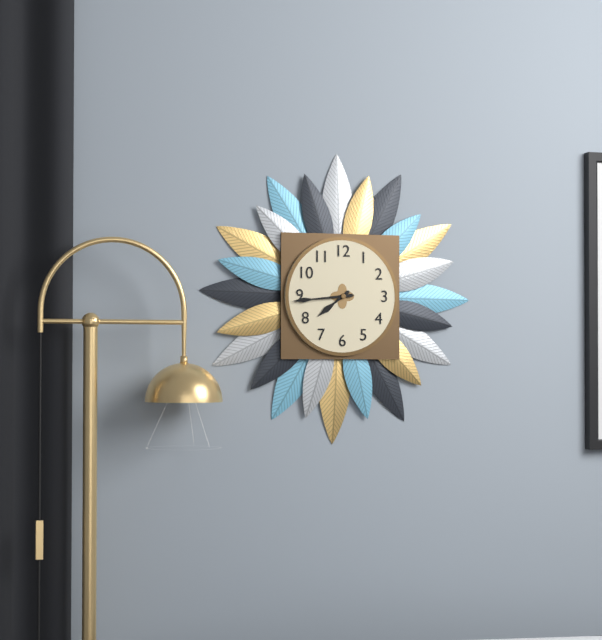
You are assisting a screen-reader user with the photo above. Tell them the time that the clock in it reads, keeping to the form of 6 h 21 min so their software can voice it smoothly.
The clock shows 7 h 44 min
